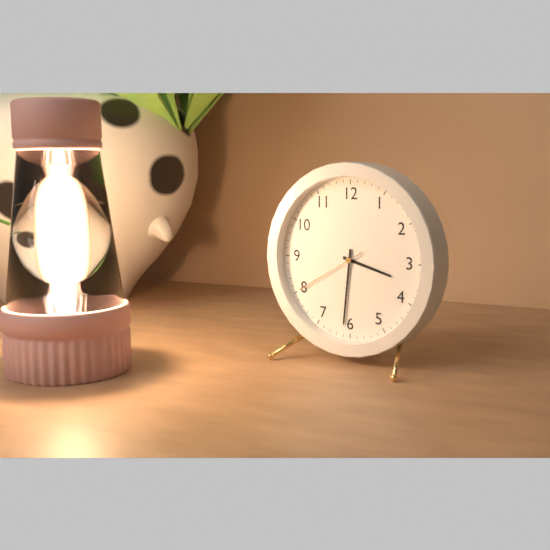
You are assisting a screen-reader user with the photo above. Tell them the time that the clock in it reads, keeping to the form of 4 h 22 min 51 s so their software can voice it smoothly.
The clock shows 3 h 31 min 40 s
